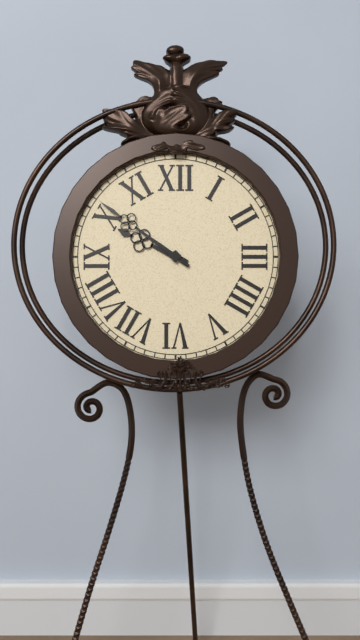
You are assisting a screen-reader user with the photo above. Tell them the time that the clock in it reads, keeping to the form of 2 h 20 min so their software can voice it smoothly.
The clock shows 9 h 51 min
